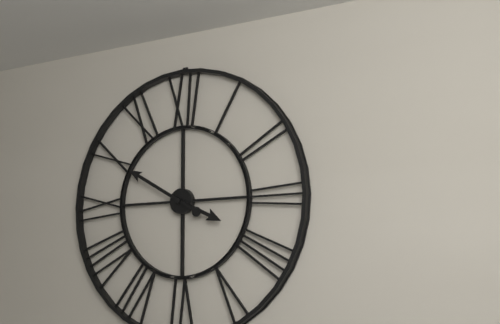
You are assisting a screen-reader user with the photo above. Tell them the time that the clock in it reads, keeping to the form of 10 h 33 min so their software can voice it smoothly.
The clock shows 3 h 50 min
